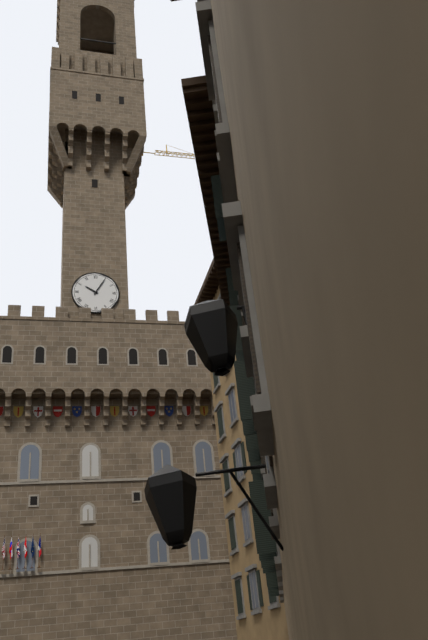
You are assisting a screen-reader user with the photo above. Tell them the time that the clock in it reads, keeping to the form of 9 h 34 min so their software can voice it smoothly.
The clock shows 10 h 05 min
